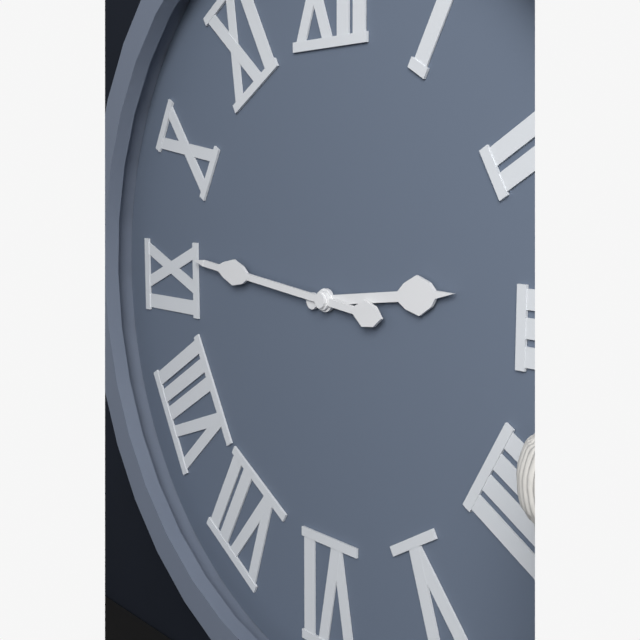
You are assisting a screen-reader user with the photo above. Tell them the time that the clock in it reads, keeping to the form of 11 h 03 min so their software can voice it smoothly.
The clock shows 2 h 46 min
